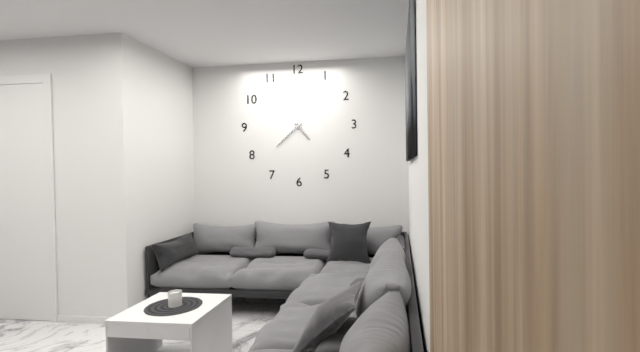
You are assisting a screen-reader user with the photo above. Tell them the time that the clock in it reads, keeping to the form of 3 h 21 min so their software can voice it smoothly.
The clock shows 4 h 38 min
